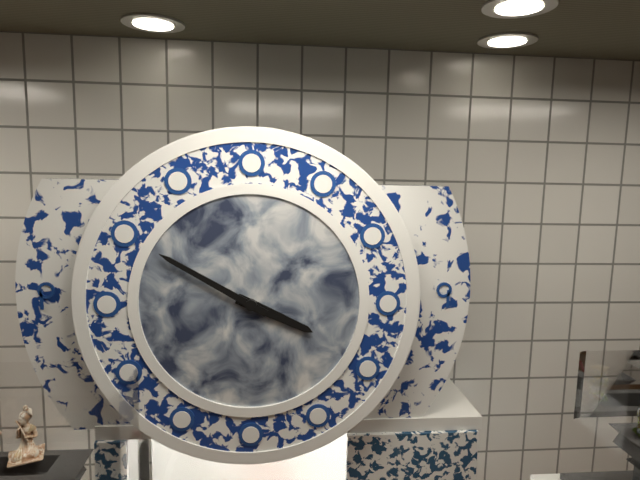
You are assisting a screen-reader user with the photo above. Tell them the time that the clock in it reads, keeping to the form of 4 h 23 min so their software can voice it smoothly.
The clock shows 3 h 50 min
